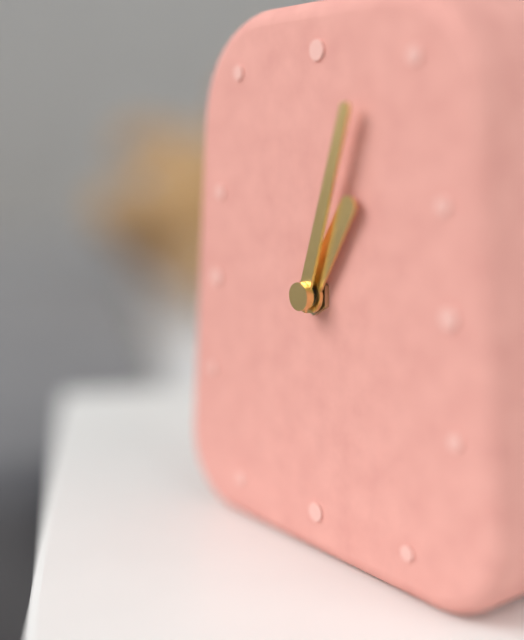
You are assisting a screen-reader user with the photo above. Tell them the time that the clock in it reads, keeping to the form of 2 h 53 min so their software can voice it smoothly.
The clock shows 1 h 03 min
